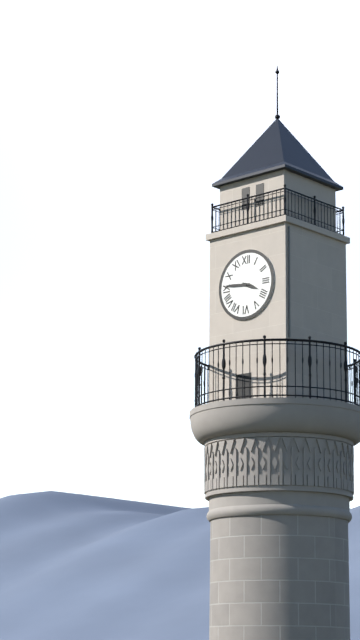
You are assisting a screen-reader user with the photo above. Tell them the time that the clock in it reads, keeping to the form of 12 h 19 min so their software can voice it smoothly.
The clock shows 3 h 46 min
